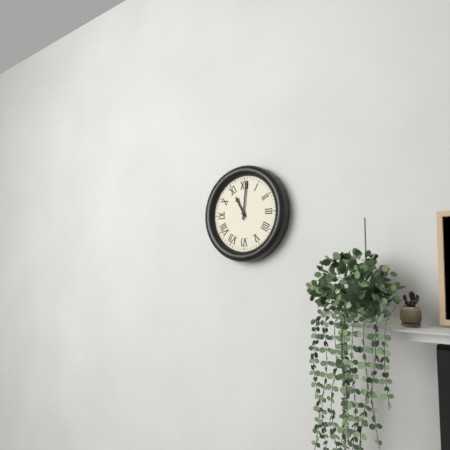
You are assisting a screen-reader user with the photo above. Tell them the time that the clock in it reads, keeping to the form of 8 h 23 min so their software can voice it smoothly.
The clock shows 11 h 01 min
